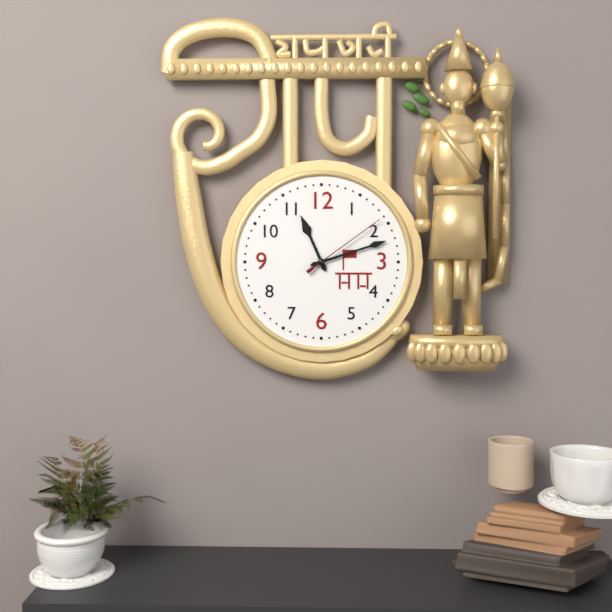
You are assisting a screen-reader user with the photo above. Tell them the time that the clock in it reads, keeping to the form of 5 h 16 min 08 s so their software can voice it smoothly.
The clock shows 11 h 12 min 09 s
